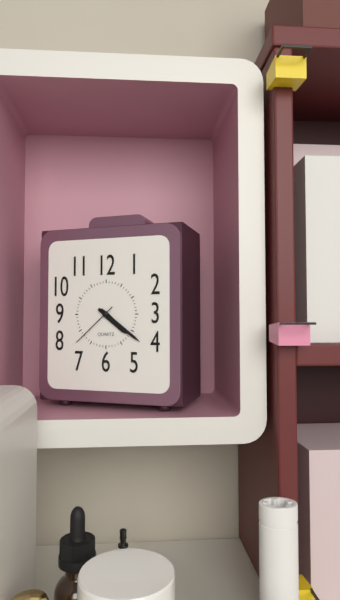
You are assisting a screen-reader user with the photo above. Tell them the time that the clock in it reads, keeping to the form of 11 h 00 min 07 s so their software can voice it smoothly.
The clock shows 4 h 21 min 38 s
